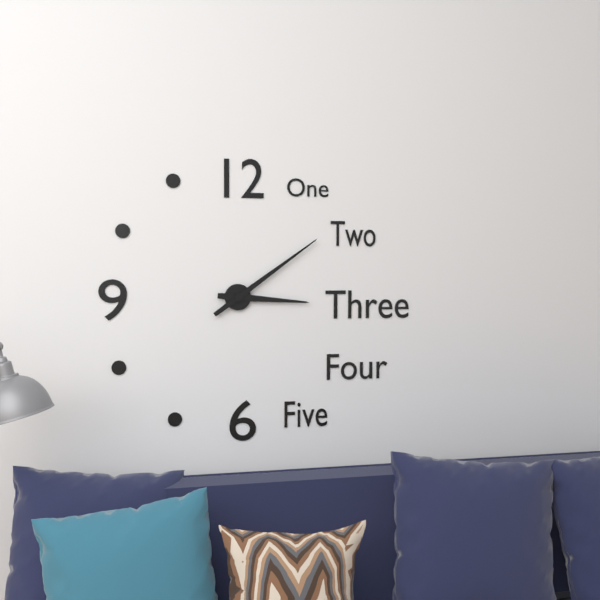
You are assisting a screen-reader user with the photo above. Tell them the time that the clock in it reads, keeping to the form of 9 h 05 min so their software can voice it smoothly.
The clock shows 3 h 09 min
